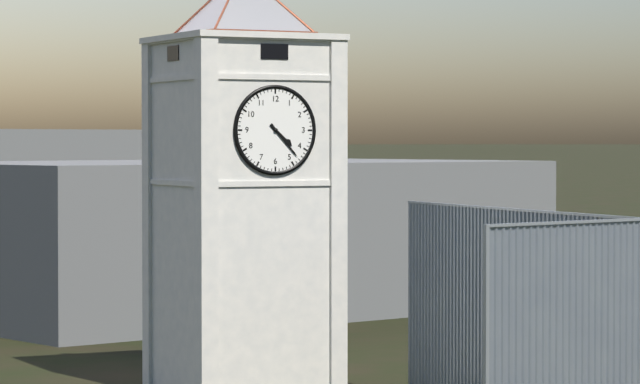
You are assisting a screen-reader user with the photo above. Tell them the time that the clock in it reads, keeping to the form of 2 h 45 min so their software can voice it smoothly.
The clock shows 4 h 23 min
